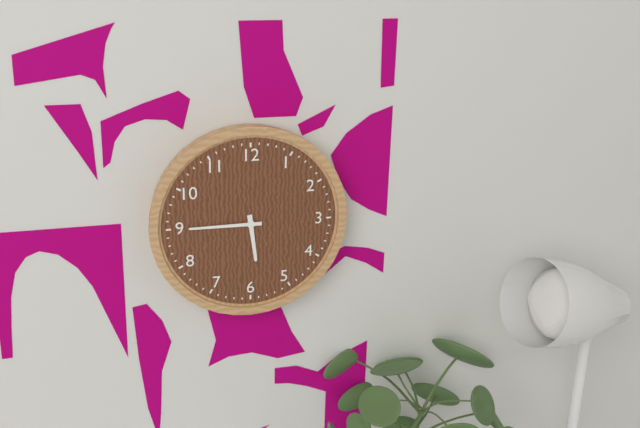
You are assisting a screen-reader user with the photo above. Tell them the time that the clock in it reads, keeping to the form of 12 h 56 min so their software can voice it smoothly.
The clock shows 5 h 45 min
